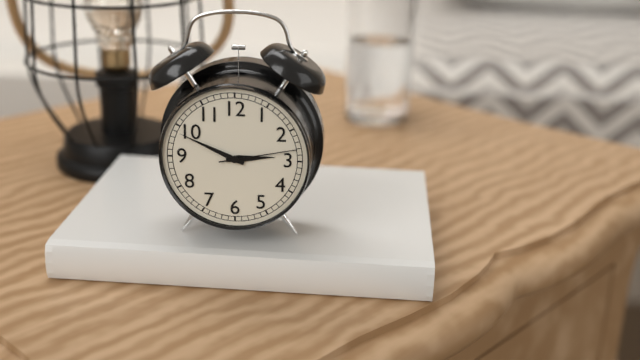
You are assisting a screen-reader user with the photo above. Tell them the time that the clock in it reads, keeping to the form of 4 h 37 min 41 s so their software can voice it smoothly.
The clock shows 2 h 49 min 13 s
